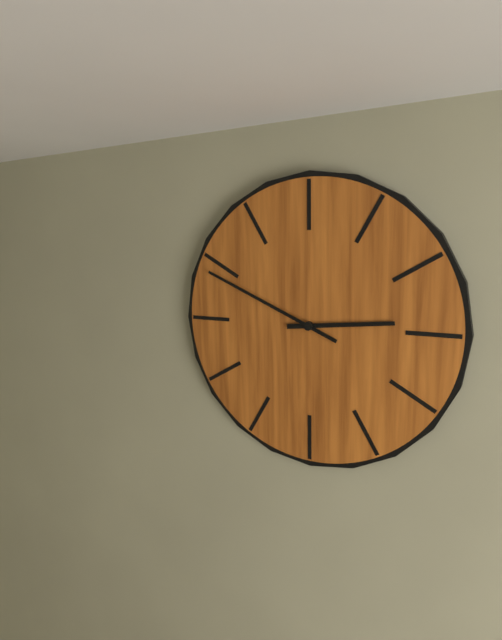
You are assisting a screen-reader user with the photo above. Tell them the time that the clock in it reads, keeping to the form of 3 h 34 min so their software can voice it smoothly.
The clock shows 2 h 49 min
